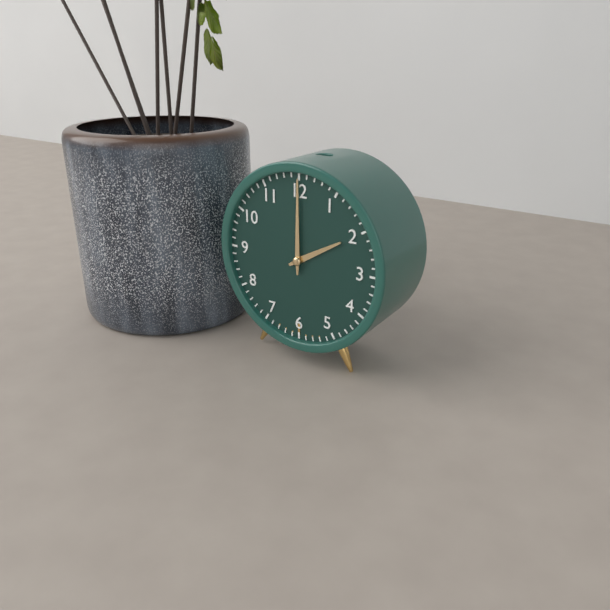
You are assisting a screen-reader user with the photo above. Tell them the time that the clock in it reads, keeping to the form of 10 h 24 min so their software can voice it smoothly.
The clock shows 2 h 00 min
